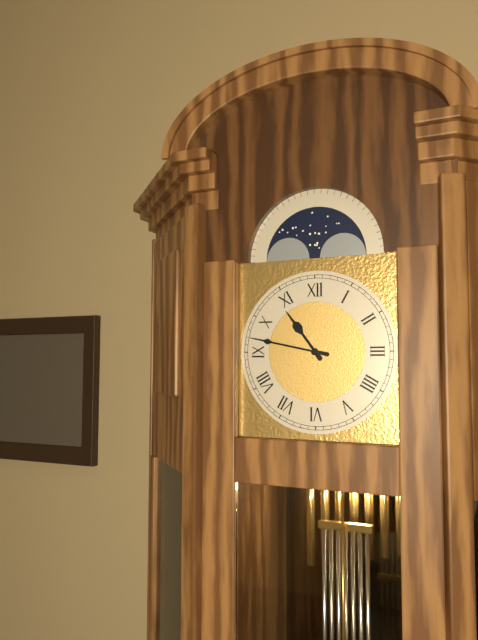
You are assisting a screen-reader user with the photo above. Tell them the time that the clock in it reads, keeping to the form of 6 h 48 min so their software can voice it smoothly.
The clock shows 10 h 47 min
